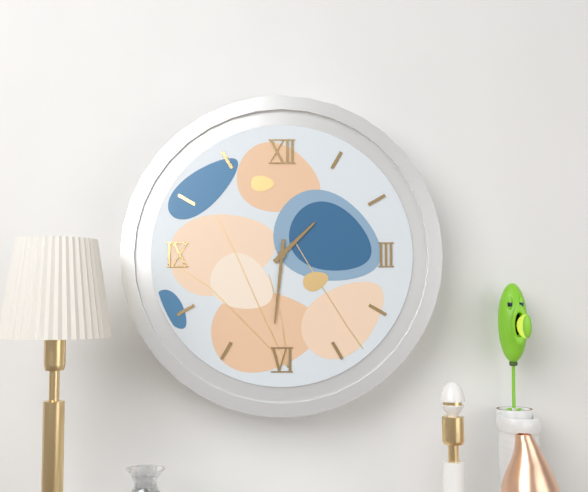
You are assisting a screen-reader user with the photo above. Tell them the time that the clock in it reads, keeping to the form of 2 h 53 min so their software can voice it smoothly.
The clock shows 1 h 31 min
